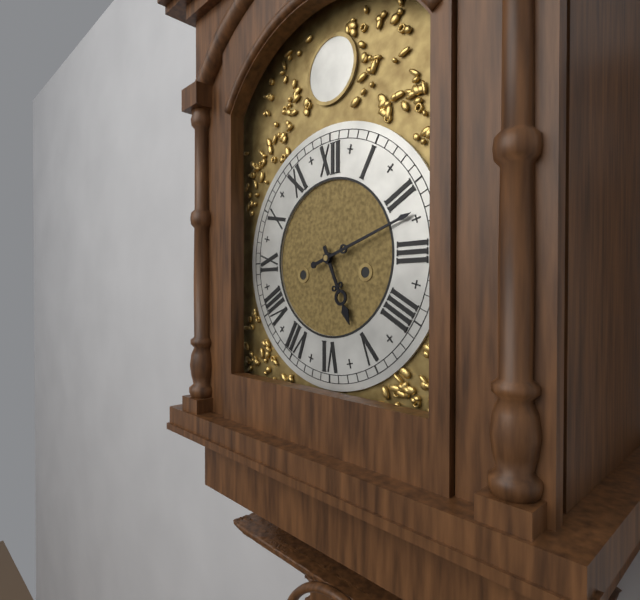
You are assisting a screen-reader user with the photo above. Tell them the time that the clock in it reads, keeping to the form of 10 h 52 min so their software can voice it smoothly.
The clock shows 5 h 12 min
